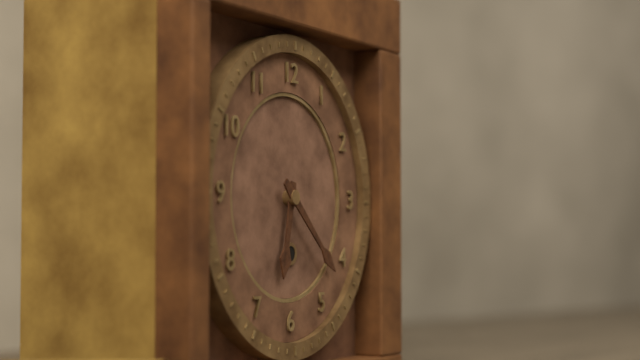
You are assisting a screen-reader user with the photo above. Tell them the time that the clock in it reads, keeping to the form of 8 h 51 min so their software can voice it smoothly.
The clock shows 6 h 22 min
